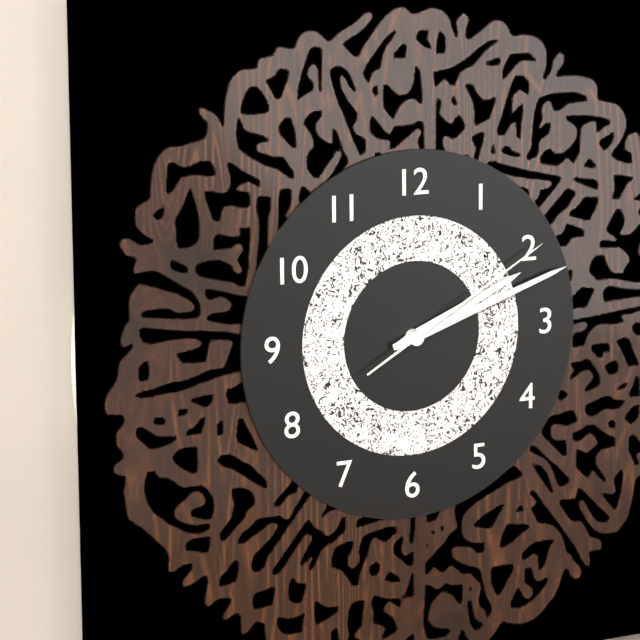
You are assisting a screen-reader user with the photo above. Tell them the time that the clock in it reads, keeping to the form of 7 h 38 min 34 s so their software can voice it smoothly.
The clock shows 2 h 12 min 10 s
